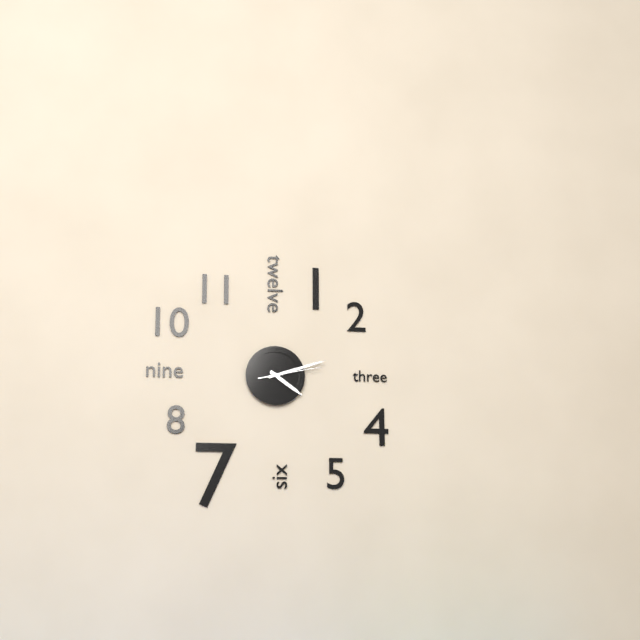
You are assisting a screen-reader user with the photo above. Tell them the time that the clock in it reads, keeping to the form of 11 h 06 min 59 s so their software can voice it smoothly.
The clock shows 4 h 12 min 13 s
